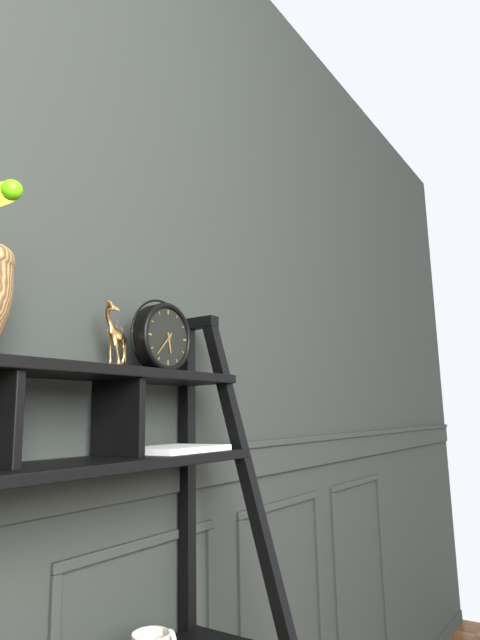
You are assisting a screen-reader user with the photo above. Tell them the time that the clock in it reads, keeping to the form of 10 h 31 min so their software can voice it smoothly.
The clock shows 5 h 37 min
